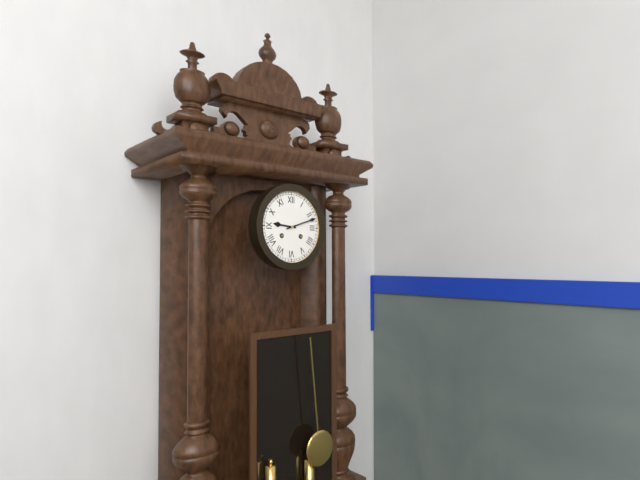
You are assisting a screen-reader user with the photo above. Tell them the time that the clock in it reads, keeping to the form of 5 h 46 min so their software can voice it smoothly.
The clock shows 9 h 12 min
